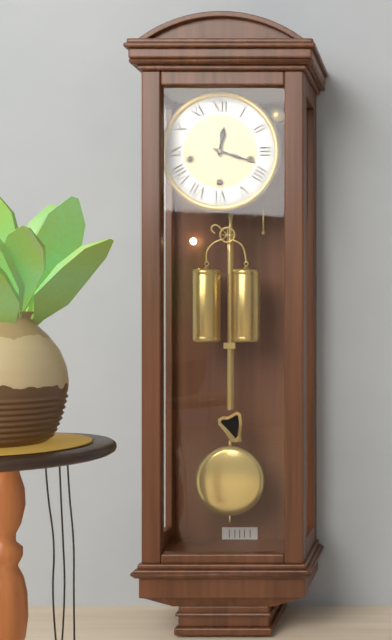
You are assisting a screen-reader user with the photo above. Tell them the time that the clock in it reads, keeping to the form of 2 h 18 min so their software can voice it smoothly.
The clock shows 12 h 18 min
